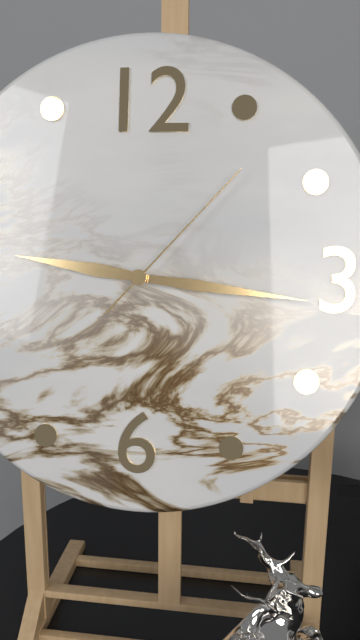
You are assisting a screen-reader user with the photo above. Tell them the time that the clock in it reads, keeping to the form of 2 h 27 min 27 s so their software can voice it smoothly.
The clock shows 9 h 16 min 07 s
